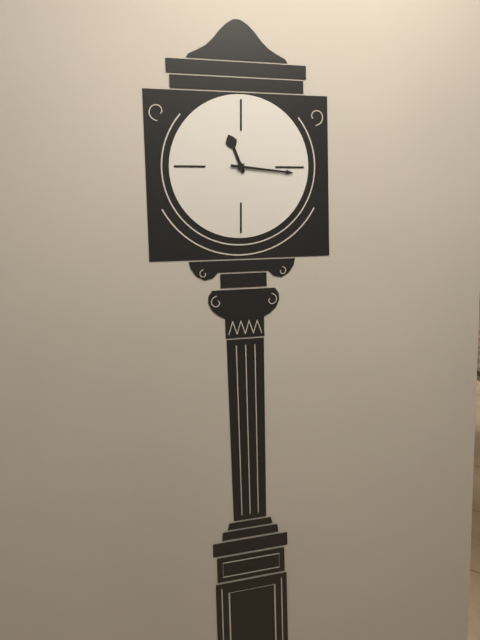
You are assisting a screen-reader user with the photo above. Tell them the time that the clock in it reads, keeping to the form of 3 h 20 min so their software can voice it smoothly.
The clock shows 11 h 16 min
